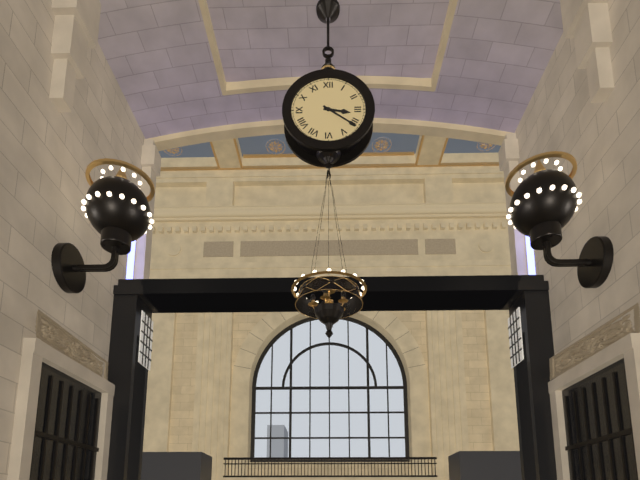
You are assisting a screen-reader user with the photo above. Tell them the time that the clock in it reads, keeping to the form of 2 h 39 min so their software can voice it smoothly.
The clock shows 3 h 21 min
